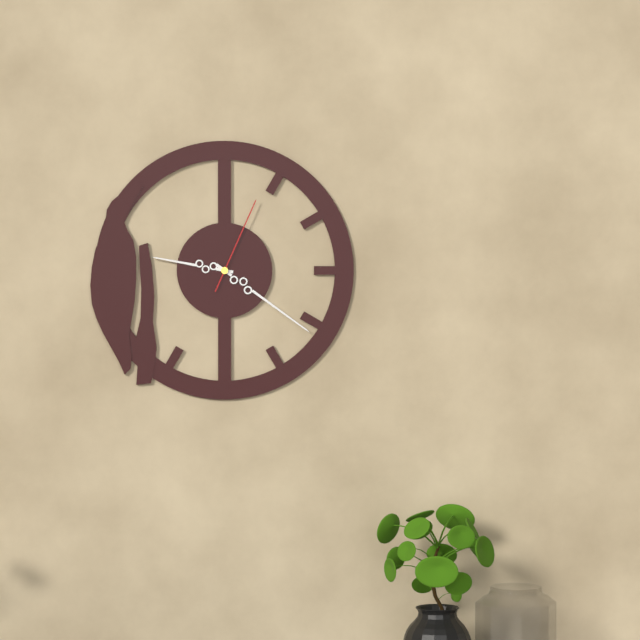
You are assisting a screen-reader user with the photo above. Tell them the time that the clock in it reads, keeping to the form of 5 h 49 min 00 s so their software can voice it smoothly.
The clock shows 9 h 21 min 04 s
